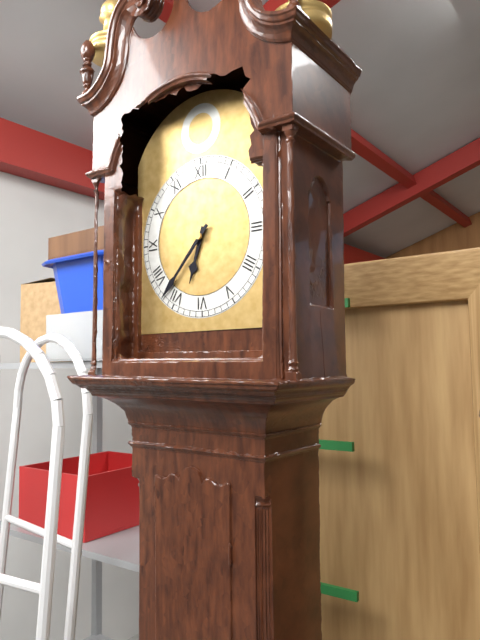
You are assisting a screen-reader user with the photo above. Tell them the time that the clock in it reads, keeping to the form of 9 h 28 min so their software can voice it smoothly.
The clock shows 6 h 37 min
